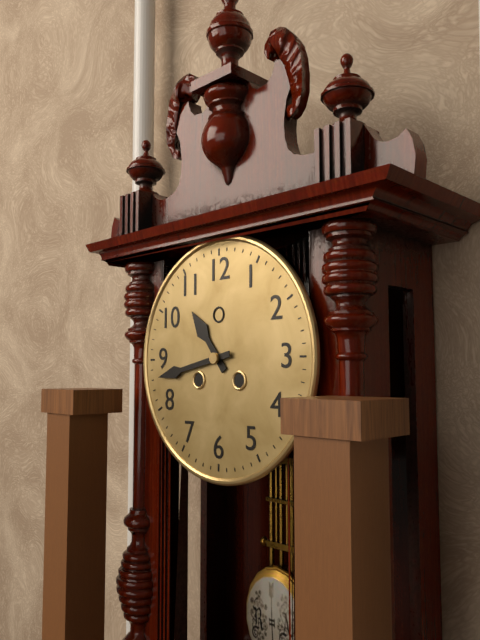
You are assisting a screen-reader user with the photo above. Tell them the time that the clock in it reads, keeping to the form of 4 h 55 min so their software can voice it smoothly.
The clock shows 10 h 43 min
